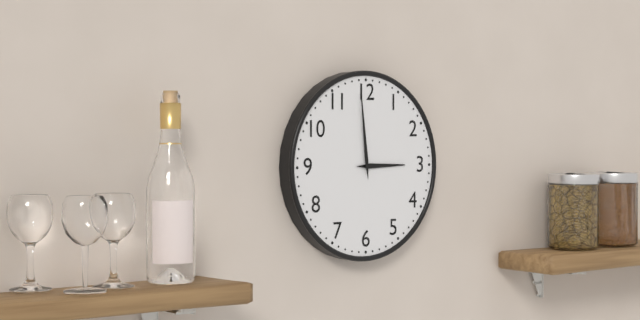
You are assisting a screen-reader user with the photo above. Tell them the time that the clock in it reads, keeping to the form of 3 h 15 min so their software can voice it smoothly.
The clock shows 2 h 59 min
